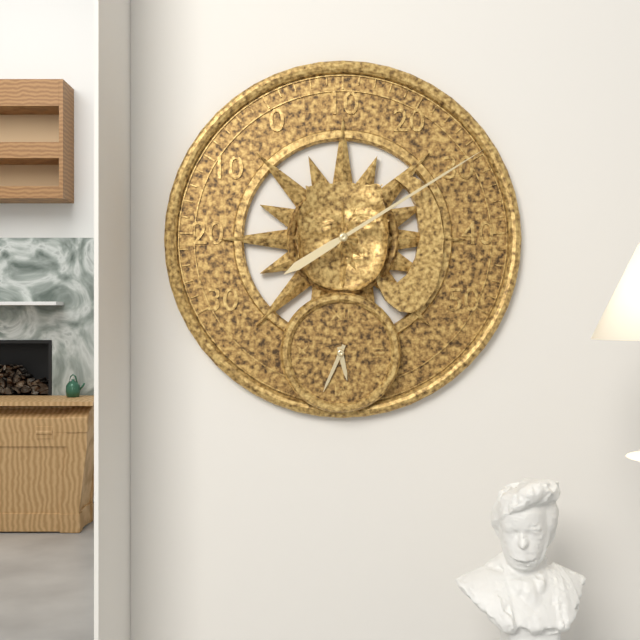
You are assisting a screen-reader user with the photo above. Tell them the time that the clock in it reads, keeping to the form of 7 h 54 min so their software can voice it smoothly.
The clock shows 5 h 34 min
